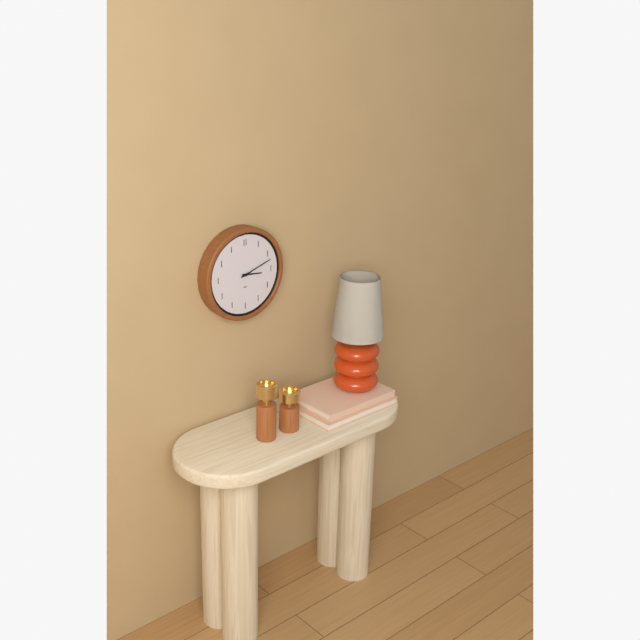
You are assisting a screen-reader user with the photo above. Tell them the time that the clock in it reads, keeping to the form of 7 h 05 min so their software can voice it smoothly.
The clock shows 3 h 12 min
